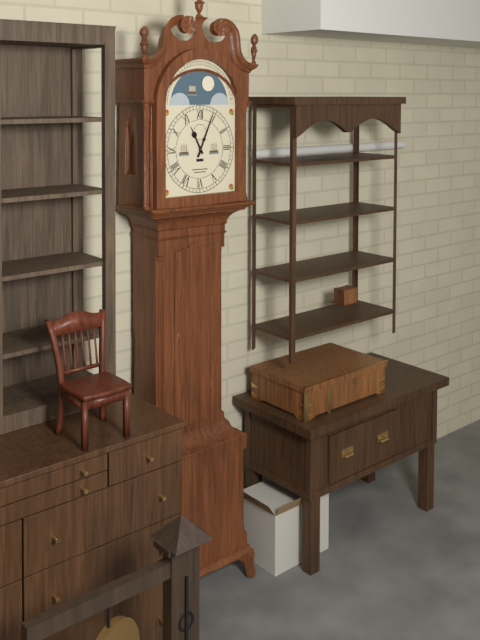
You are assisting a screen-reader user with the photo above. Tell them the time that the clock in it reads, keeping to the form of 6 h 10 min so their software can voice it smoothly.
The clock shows 11 h 04 min
